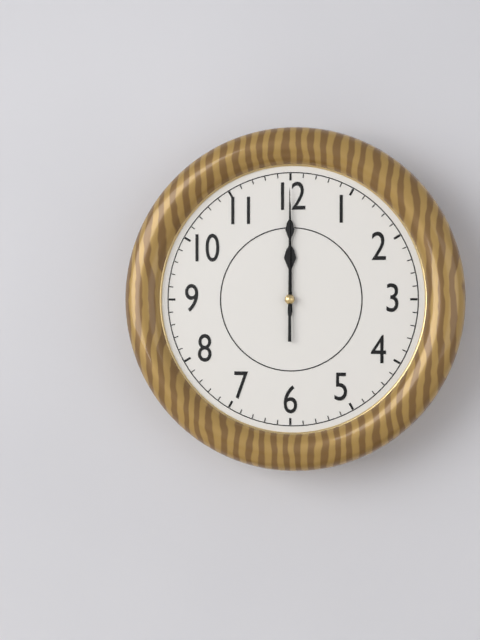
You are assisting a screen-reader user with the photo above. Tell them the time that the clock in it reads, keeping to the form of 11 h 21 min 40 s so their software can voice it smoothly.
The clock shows 12 h 00 min 00 s
